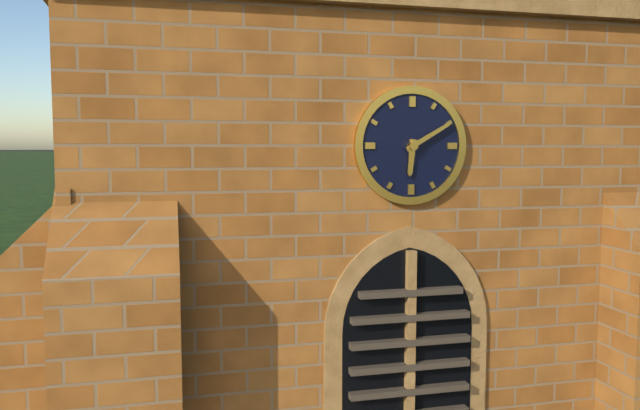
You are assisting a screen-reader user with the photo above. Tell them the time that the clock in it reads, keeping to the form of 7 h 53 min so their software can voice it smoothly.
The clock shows 6 h 10 min
